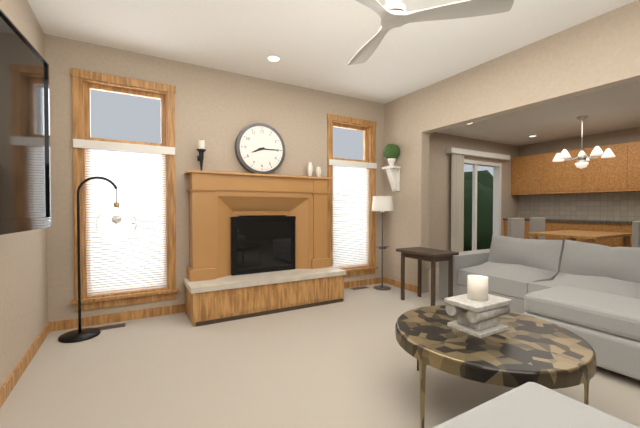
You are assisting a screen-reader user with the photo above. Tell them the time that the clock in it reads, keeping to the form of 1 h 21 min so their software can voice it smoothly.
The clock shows 8 h 15 min
